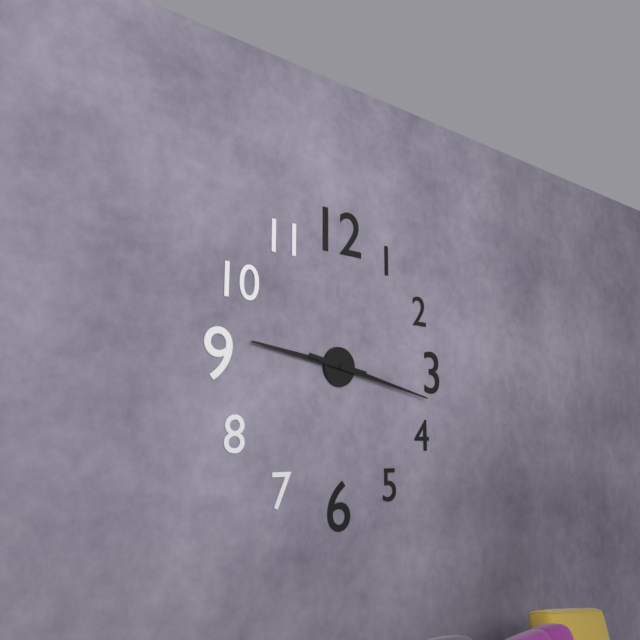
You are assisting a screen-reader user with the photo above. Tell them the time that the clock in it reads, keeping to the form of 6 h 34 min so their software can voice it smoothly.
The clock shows 9 h 17 min
